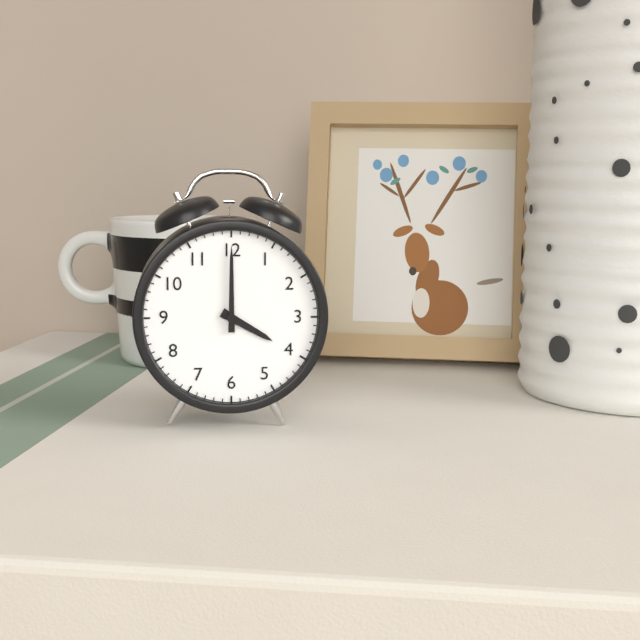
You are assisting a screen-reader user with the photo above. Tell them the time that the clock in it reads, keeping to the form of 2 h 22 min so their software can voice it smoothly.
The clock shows 4 h 00 min
